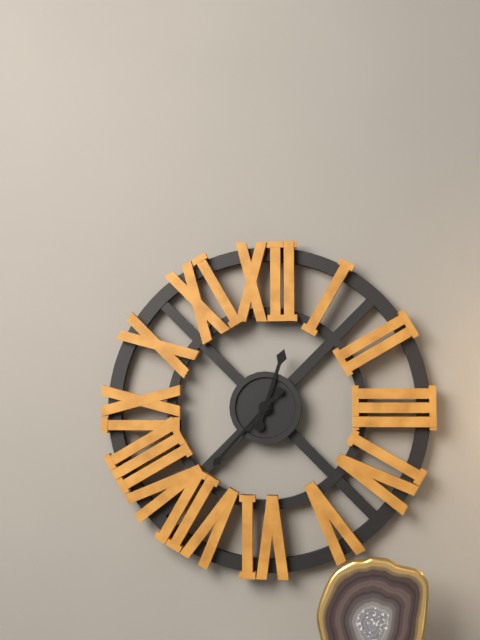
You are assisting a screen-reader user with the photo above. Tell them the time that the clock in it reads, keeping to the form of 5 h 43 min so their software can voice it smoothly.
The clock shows 12 h 37 min
